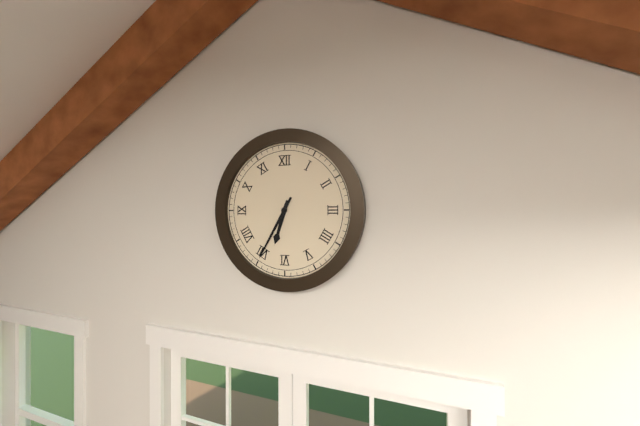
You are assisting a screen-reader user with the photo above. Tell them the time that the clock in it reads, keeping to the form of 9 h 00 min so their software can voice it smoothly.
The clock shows 6 h 35 min
